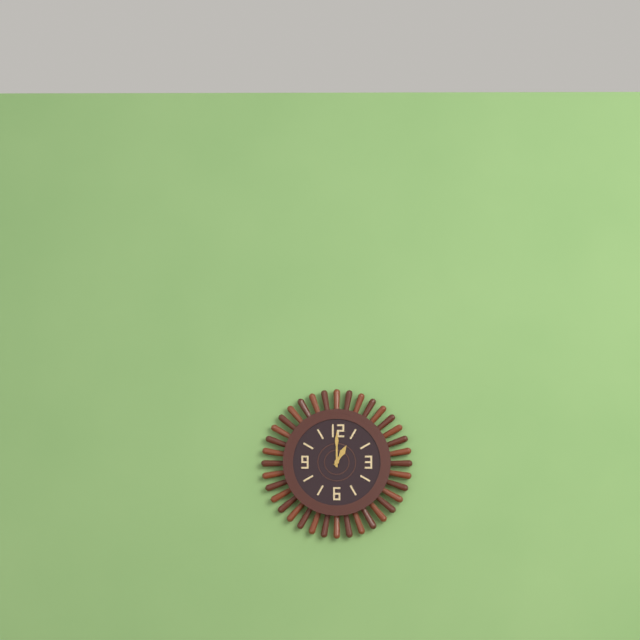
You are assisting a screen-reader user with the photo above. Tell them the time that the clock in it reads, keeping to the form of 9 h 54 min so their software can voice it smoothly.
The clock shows 1 h 00 min
